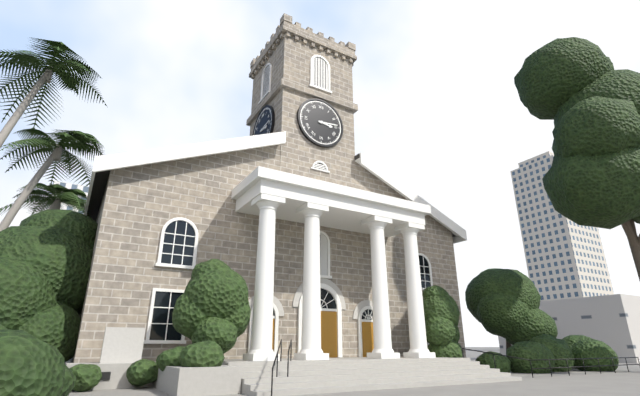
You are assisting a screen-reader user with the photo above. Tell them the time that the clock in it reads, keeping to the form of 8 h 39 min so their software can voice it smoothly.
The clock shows 3 h 14 min
